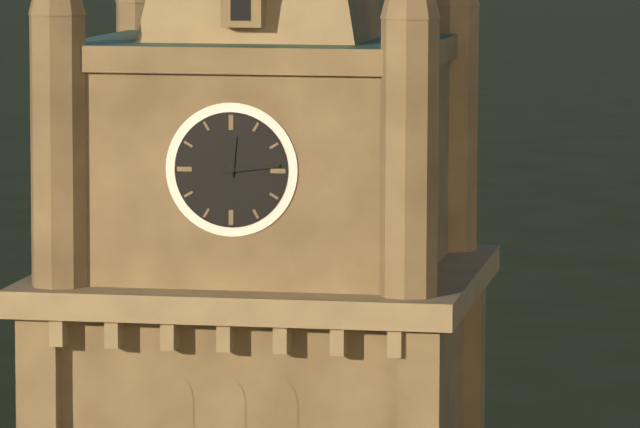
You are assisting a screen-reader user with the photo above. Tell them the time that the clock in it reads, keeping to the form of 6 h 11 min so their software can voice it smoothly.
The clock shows 12 h 14 min
